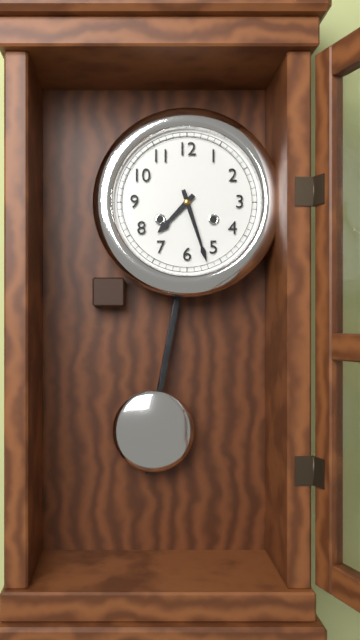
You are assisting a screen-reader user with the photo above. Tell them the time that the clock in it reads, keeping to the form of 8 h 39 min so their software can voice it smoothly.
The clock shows 7 h 27 min
